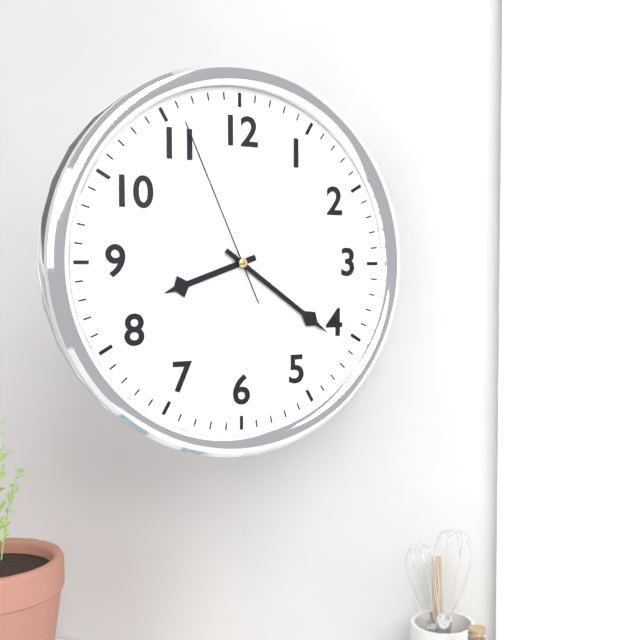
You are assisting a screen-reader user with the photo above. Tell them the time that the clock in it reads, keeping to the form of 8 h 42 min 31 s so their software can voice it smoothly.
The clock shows 8 h 21 min 56 s
